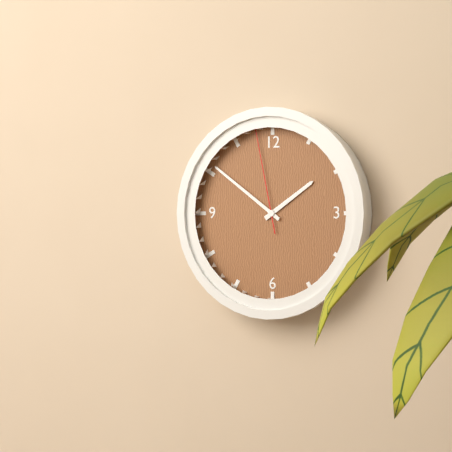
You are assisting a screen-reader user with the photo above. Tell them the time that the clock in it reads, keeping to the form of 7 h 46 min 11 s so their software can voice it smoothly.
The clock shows 1 h 51 min 58 s
